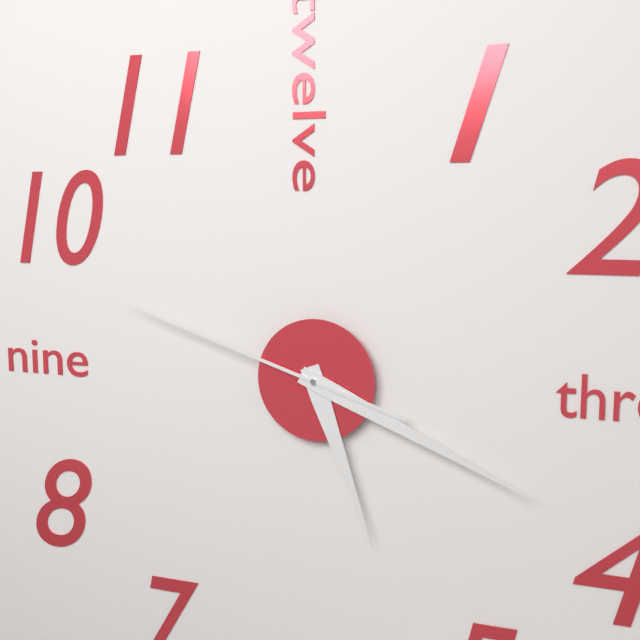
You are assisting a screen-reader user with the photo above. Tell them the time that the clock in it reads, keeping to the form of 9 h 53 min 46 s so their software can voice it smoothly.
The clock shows 5 h 19 min 48 s
